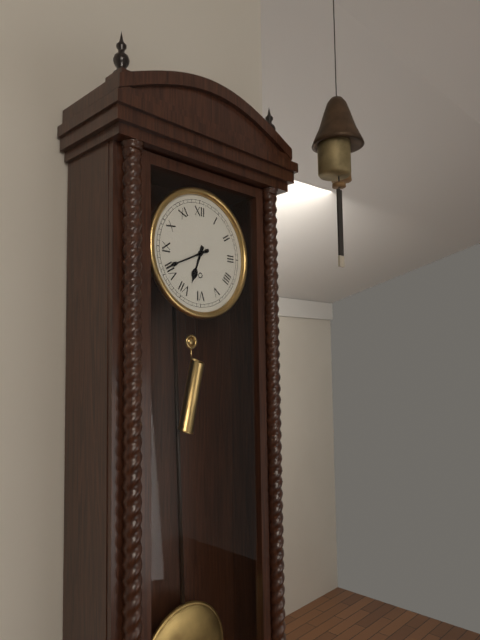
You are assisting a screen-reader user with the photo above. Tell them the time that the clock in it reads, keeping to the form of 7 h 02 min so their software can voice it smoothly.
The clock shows 6 h 41 min
